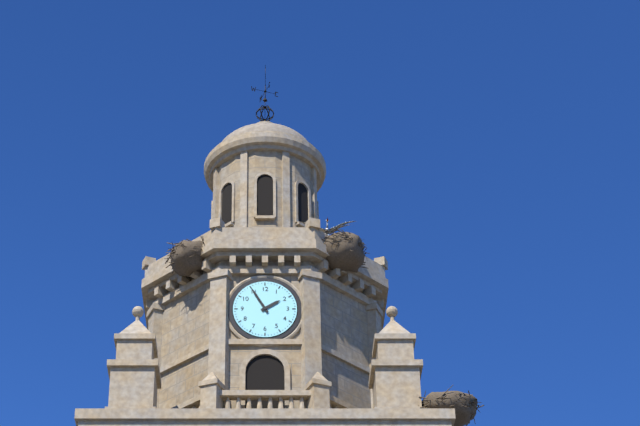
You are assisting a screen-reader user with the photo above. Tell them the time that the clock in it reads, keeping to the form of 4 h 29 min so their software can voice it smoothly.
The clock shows 1 h 55 min
